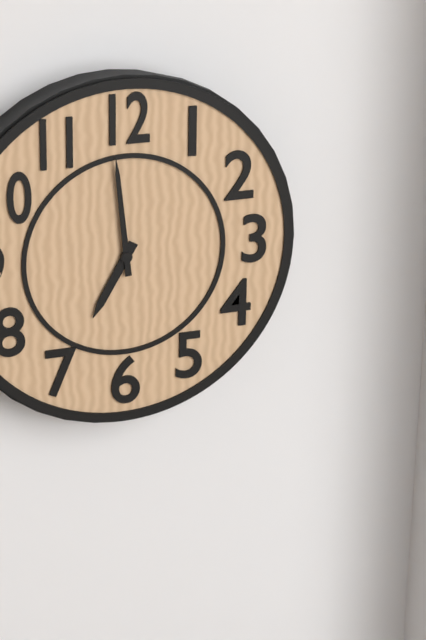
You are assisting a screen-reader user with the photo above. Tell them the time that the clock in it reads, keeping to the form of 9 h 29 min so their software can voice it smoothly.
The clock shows 6 h 59 min
